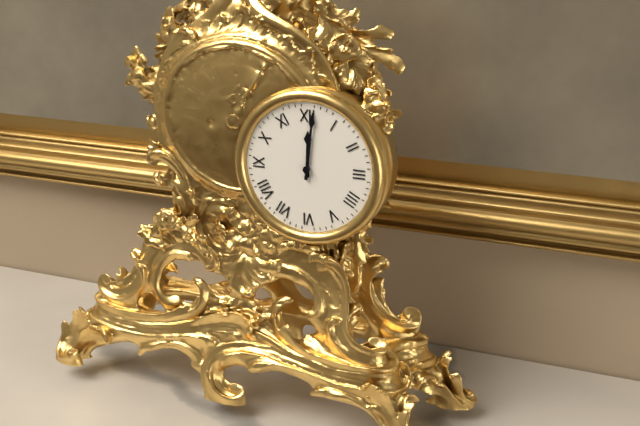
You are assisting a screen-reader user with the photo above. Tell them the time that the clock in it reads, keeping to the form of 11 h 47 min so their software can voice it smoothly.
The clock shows 12 h 01 min
